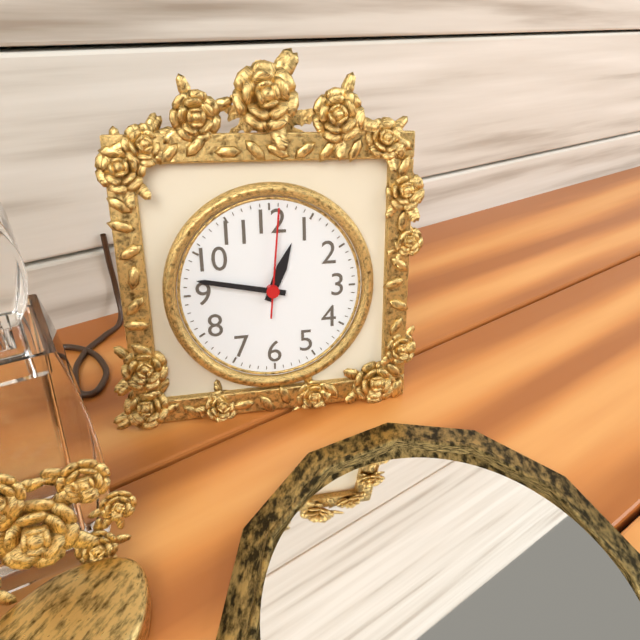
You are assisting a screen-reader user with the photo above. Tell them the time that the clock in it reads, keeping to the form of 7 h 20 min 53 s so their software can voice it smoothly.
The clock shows 12 h 47 min 01 s
